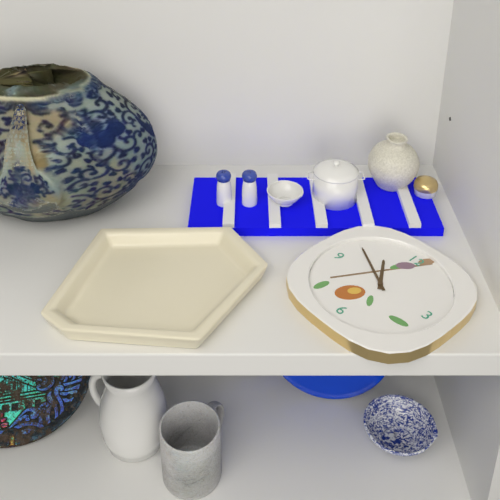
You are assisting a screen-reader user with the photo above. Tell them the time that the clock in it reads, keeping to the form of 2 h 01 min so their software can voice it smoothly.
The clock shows 10 h 50 min
